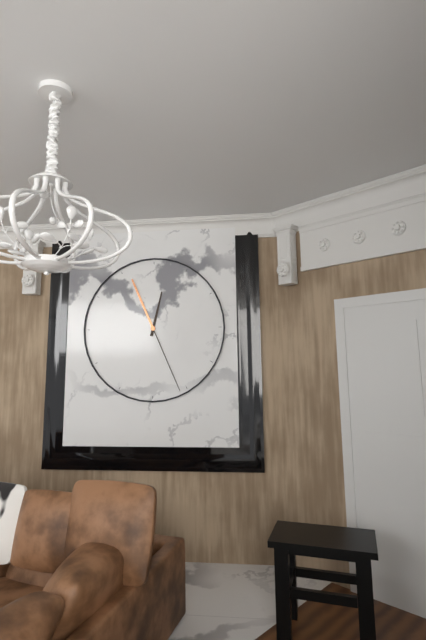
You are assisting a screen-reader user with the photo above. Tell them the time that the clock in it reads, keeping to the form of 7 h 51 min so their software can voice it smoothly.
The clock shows 12 h 26 min
